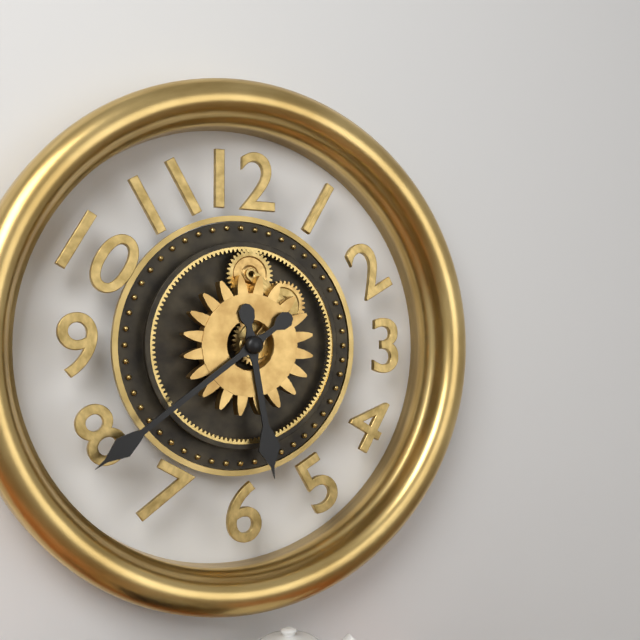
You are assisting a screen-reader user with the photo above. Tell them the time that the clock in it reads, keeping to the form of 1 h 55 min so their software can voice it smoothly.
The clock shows 5 h 39 min
